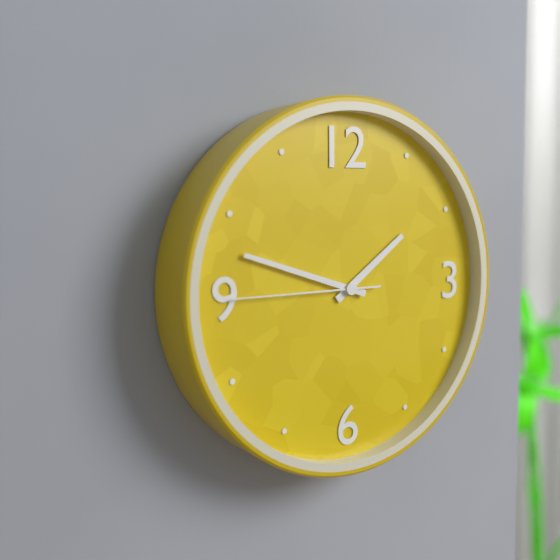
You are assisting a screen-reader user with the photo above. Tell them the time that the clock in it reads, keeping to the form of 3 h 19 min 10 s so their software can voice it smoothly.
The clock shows 1 h 48 min 45 s
